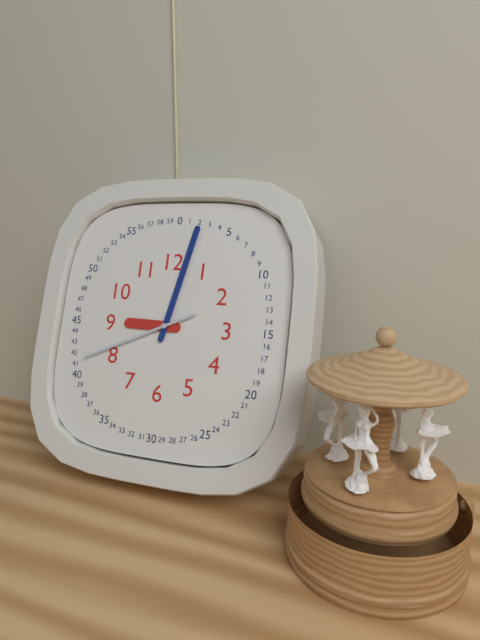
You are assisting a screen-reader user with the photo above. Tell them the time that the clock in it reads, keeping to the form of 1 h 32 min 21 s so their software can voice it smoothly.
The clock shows 9 h 02 min 41 s
